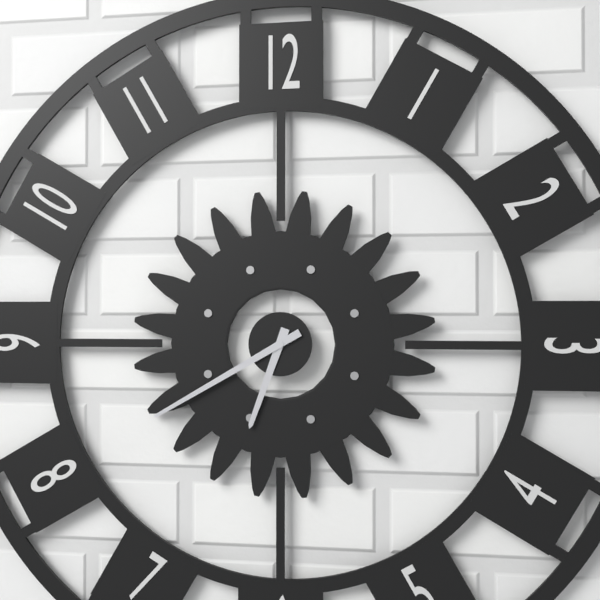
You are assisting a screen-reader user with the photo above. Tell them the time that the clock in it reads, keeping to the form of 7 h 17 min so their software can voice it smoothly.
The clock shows 6 h 40 min
